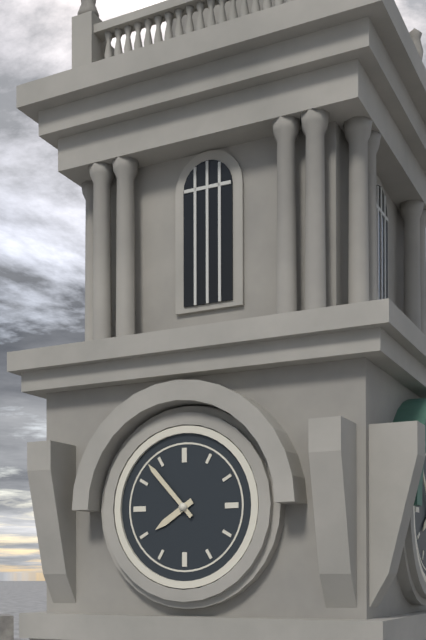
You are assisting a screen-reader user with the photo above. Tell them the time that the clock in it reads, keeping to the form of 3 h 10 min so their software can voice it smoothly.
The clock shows 7 h 53 min
